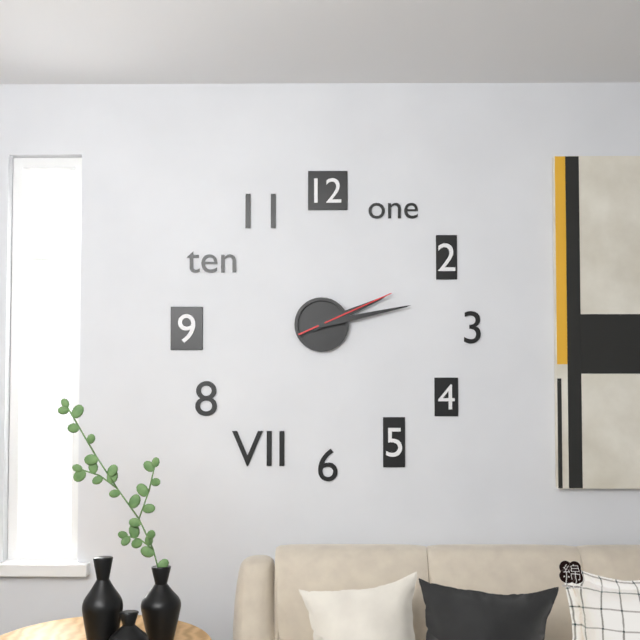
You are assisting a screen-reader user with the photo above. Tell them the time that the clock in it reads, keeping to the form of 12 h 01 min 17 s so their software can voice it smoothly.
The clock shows 2 h 13 min 11 s
